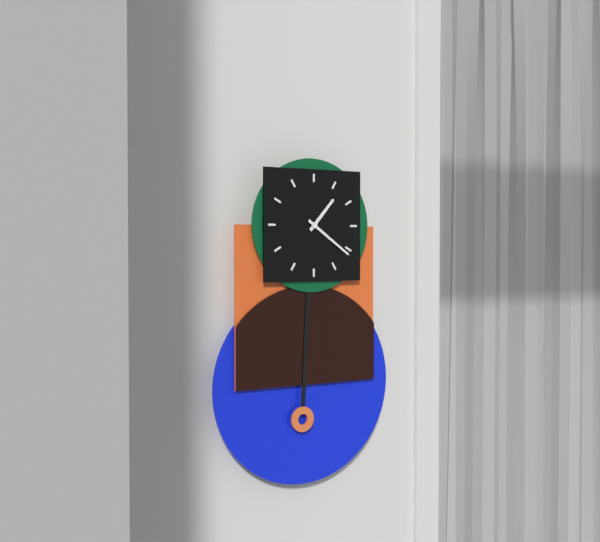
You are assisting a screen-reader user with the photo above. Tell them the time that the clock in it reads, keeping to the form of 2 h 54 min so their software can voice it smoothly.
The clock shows 1 h 21 min
